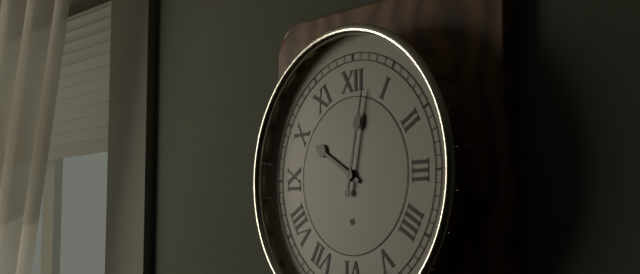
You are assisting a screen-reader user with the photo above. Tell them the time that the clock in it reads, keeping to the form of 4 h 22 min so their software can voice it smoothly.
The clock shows 10 h 02 min
